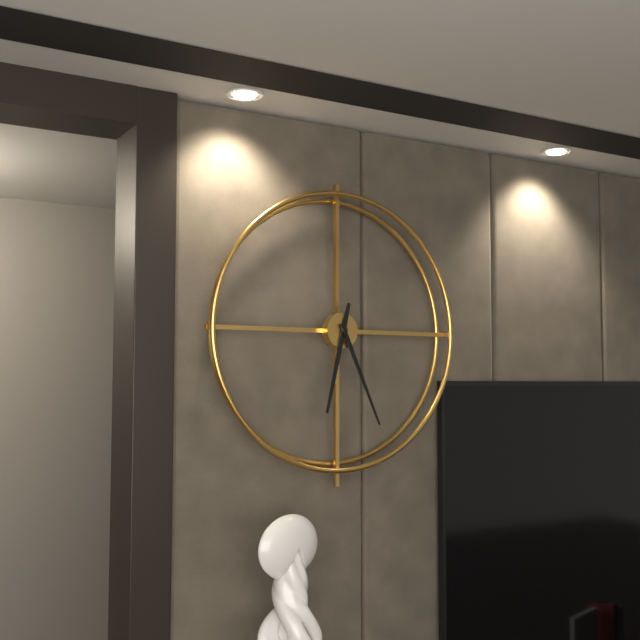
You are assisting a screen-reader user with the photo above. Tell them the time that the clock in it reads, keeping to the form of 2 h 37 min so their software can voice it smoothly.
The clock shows 6 h 26 min
